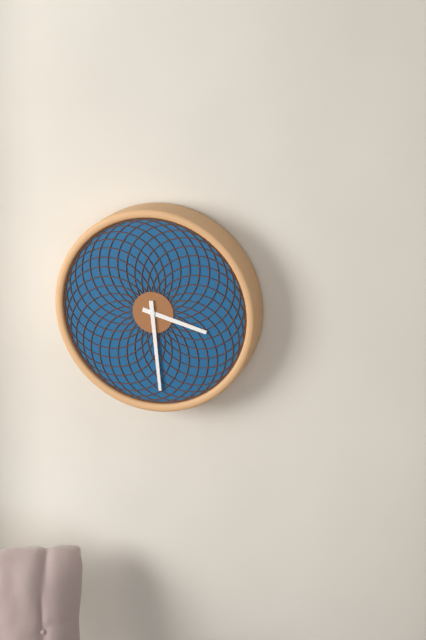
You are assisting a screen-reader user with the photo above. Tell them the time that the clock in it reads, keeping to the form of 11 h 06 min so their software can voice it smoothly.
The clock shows 3 h 29 min
